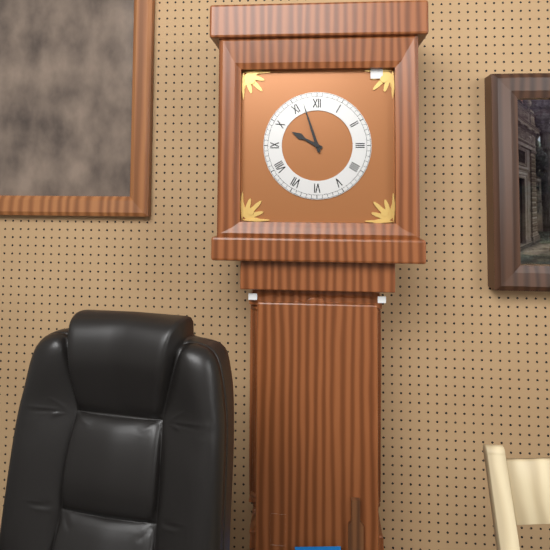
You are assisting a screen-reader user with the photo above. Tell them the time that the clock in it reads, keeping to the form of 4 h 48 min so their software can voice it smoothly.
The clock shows 9 h 57 min
